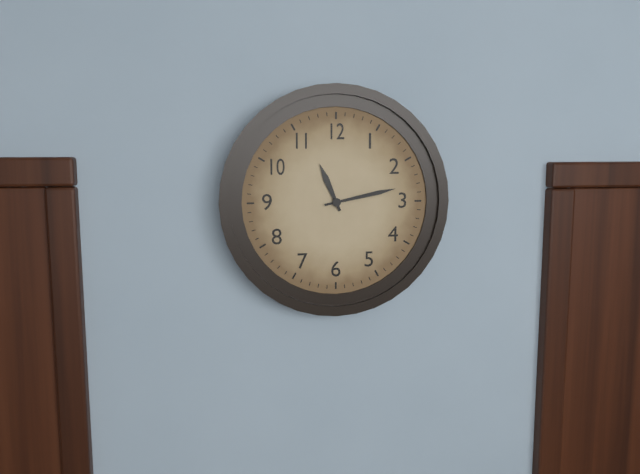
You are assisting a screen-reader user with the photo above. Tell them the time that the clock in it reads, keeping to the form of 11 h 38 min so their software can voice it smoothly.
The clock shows 11 h 13 min
